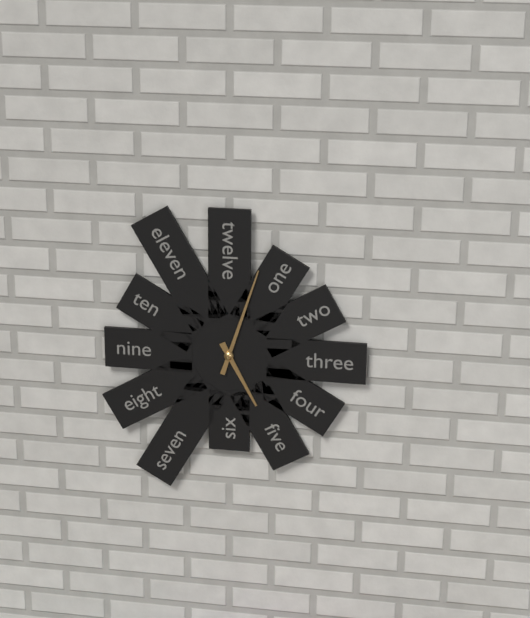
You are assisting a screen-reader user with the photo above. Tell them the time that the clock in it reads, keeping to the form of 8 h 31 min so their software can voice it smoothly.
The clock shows 5 h 03 min
